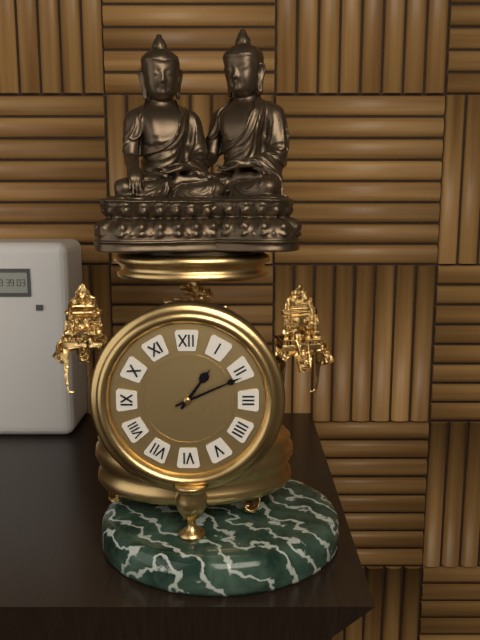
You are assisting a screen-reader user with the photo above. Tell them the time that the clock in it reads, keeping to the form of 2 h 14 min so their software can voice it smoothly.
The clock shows 1 h 11 min
